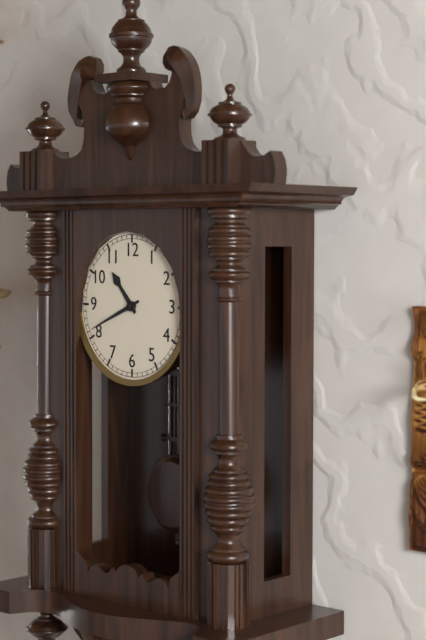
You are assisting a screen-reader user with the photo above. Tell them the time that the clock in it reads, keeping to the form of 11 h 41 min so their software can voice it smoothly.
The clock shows 10 h 41 min
